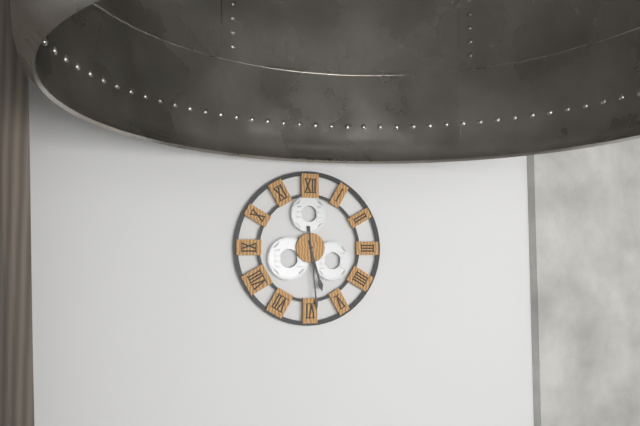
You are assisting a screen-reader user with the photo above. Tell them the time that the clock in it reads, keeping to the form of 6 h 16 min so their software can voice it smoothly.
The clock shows 5 h 29 min
